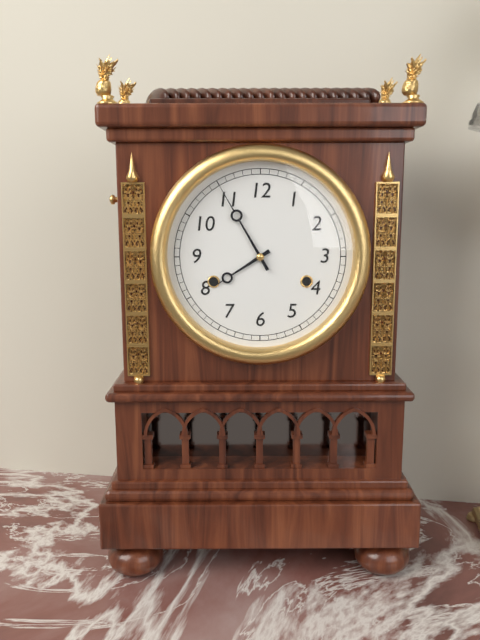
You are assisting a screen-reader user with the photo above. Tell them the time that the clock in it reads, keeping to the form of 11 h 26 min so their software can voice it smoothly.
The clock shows 7 h 55 min
